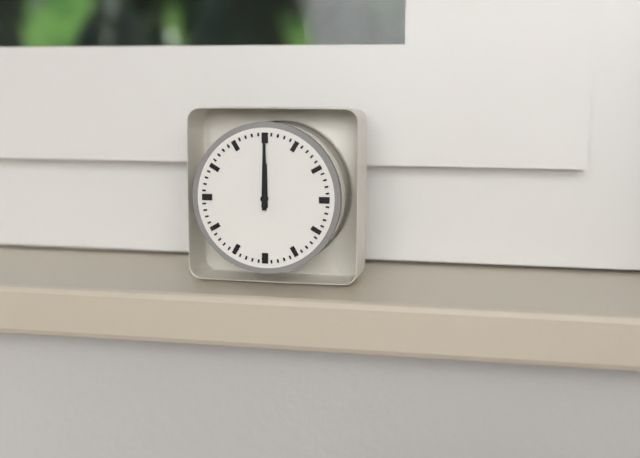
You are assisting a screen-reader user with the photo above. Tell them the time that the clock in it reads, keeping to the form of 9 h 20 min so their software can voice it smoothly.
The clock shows 12 h 00 min
